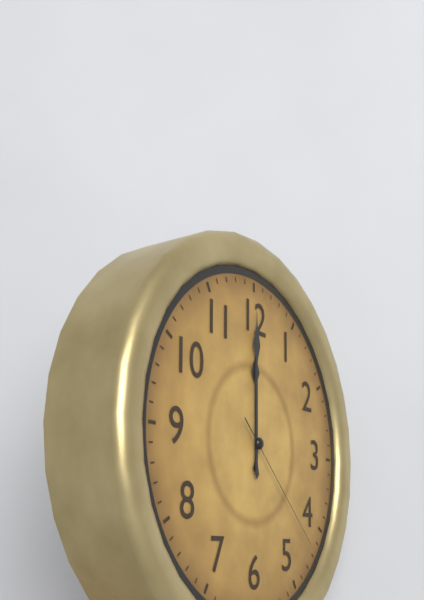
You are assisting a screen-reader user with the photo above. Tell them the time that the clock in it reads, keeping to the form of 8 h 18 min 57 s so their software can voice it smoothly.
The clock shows 12 h 00 min 22 s
